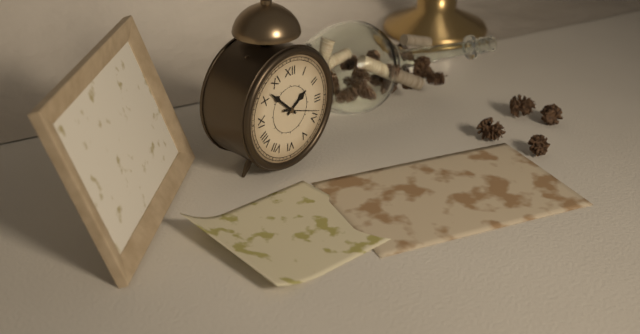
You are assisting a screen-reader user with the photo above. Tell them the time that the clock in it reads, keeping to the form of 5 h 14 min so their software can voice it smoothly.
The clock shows 1 h 52 min
